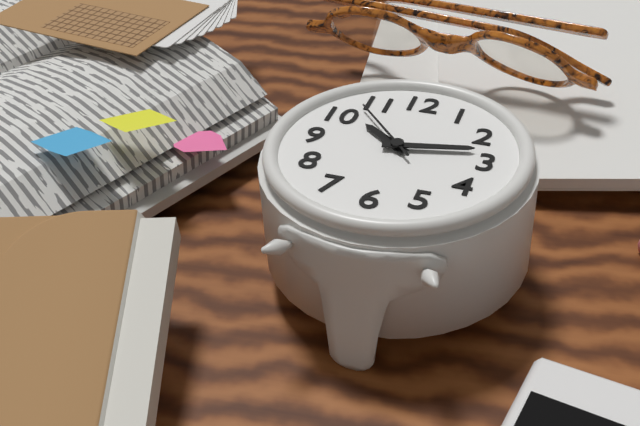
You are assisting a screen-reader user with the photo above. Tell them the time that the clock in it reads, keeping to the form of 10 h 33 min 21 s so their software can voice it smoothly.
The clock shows 10 h 13 min 53 s
